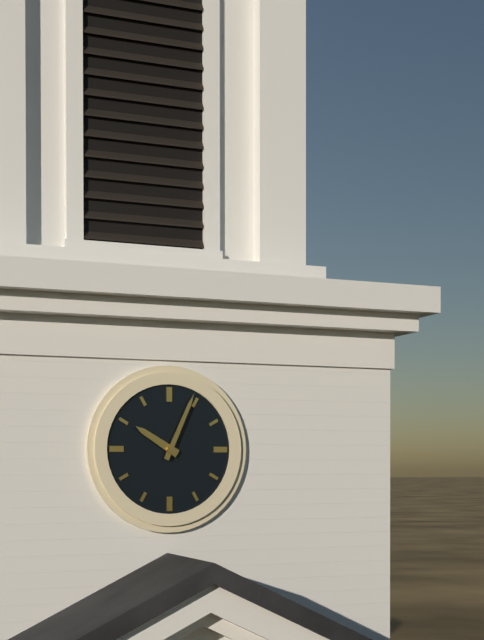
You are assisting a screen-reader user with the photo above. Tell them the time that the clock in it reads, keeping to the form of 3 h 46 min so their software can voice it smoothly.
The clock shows 10 h 04 min
